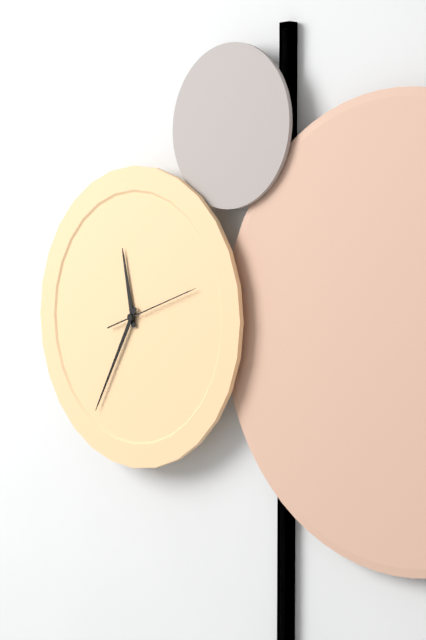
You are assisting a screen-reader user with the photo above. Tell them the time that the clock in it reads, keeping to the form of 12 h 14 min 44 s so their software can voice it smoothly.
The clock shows 11 h 35 min 12 s
